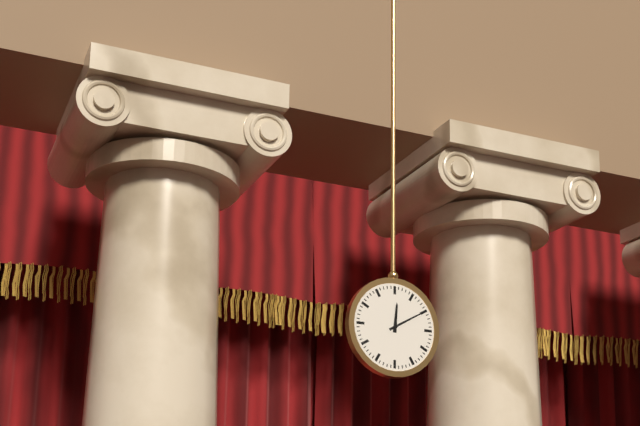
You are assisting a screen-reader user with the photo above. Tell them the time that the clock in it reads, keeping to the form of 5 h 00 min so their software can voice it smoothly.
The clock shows 12 h 10 min
